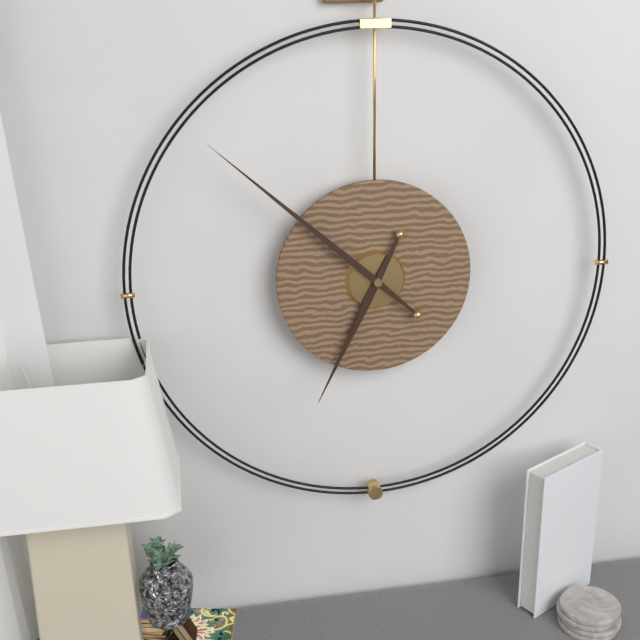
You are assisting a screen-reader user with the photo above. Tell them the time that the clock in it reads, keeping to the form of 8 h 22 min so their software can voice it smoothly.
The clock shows 6 h 52 min
